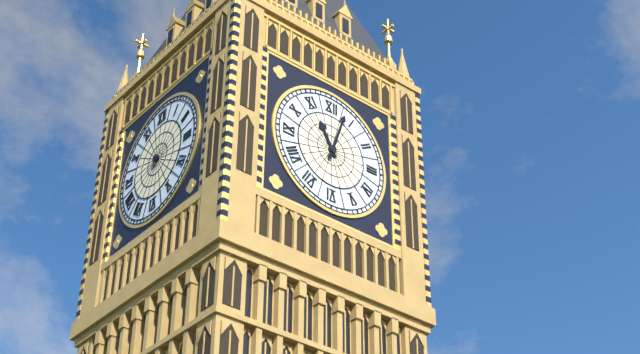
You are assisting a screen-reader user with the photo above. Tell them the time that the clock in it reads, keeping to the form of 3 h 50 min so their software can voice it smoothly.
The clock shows 11 h 03 min
